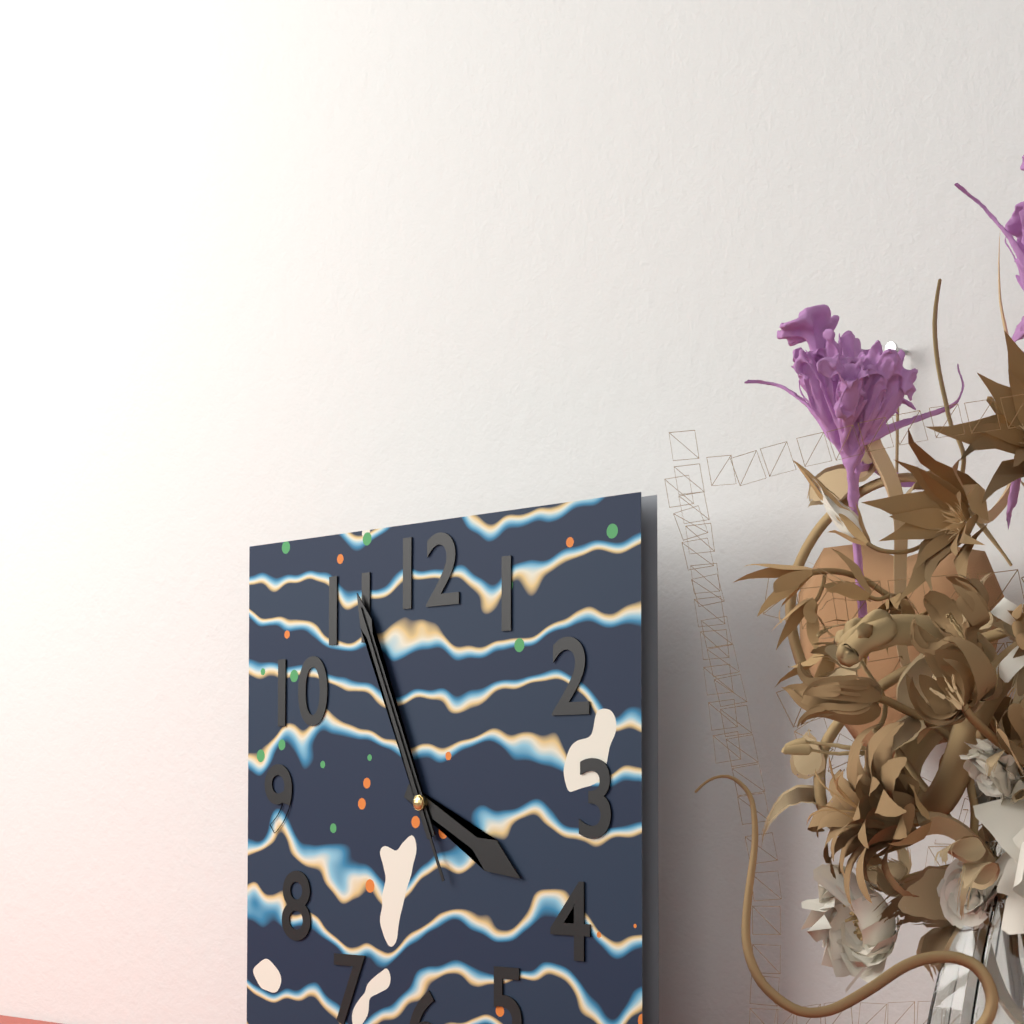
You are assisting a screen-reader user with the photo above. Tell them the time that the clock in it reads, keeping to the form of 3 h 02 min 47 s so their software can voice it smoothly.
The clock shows 3 h 56 min 56 s
